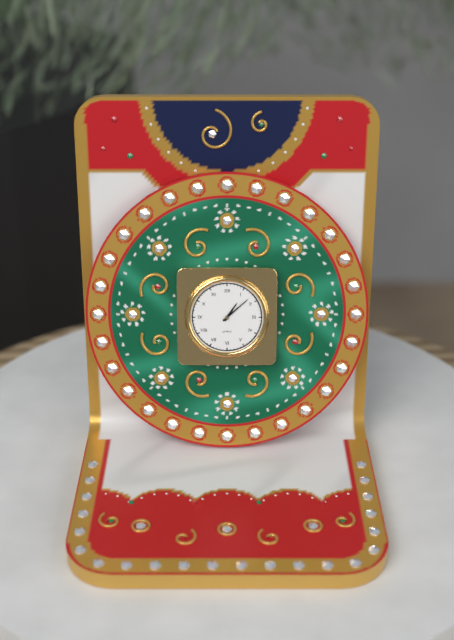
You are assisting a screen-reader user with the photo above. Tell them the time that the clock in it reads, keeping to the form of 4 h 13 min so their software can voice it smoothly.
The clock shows 1 h 08 min
